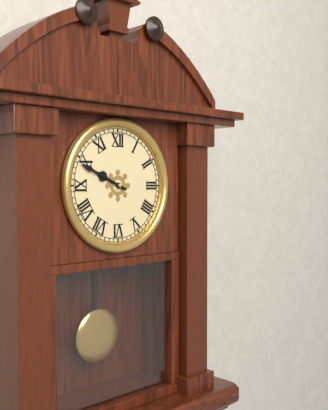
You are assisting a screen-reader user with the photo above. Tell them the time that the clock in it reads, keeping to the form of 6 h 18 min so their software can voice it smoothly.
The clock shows 9 h 49 min
